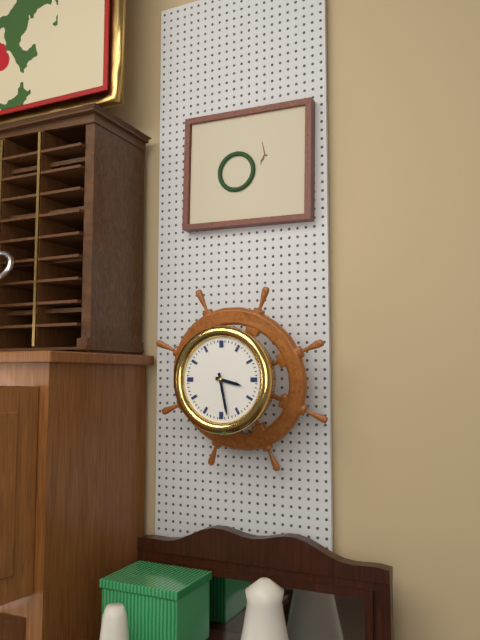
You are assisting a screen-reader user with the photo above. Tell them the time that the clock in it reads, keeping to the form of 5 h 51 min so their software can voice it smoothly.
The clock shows 3 h 28 min
